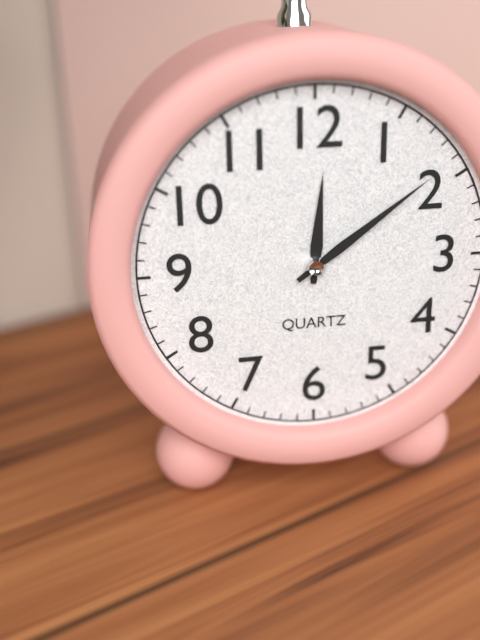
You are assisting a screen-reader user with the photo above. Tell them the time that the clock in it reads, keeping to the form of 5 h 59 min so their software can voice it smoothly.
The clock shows 12 h 09 min
